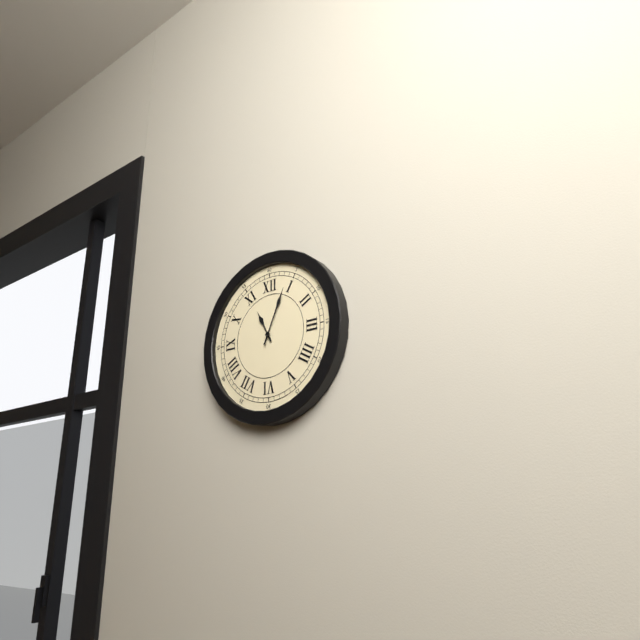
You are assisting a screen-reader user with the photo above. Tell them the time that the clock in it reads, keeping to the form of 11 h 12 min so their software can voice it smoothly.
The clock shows 11 h 04 min
